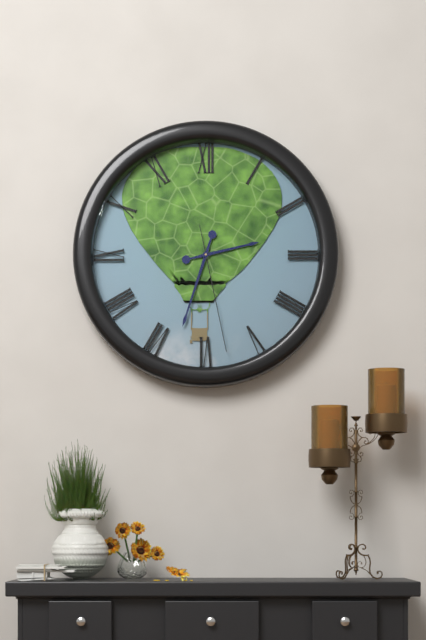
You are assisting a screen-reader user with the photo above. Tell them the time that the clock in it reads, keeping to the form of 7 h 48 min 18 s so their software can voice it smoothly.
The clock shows 2 h 33 min 28 s
